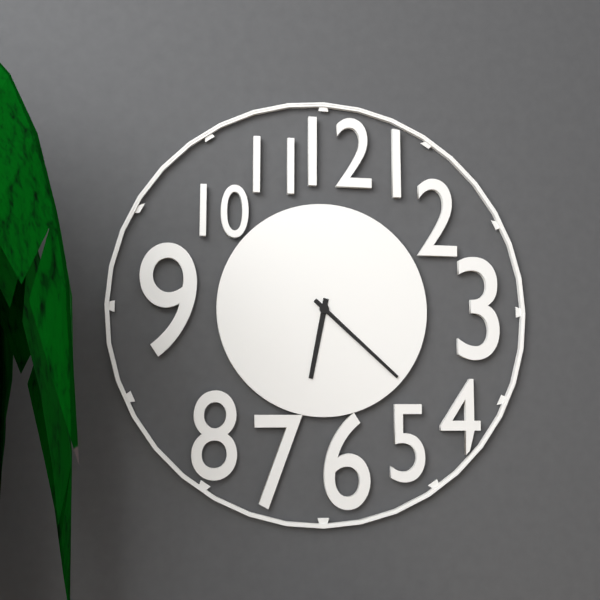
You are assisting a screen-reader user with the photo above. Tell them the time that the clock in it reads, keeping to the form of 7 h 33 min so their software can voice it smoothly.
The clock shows 6 h 22 min
